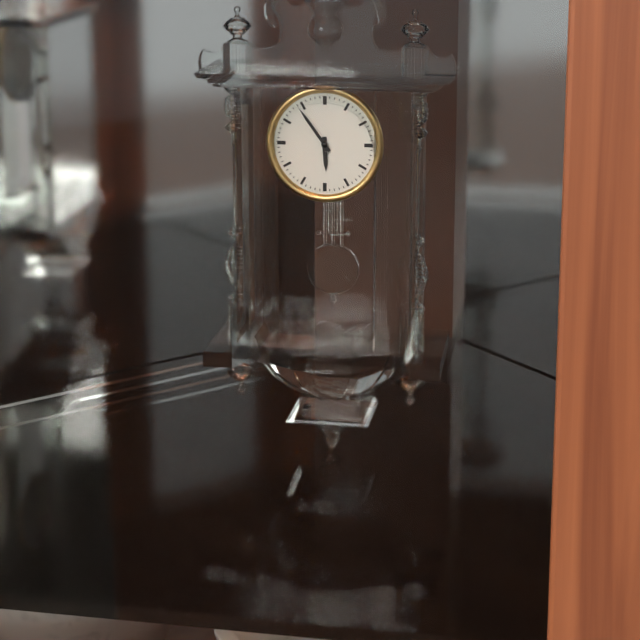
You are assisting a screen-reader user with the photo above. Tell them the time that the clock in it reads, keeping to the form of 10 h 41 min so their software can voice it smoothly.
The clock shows 5 h 54 min
